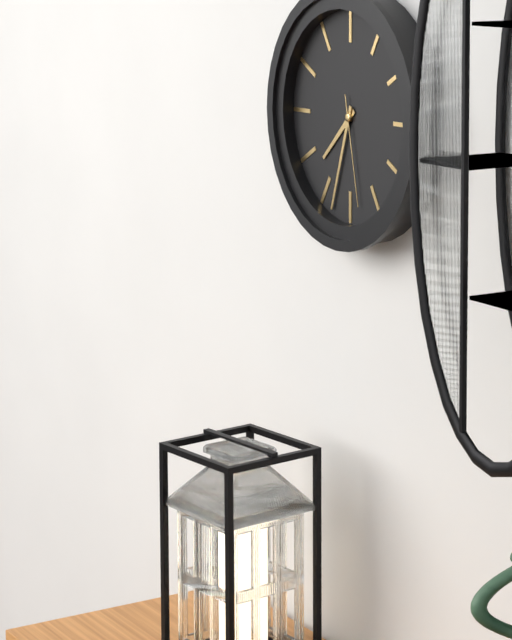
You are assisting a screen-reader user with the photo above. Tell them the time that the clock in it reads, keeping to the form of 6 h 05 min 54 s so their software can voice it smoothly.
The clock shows 7 h 33 min 28 s
